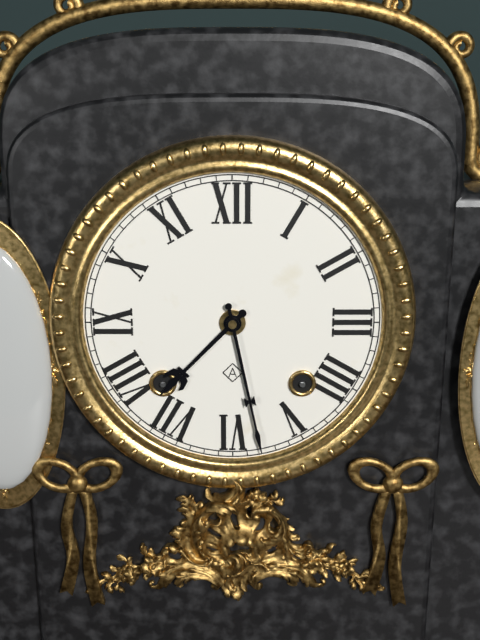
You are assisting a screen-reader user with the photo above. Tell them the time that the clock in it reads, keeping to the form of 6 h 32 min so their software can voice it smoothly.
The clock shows 7 h 28 min
